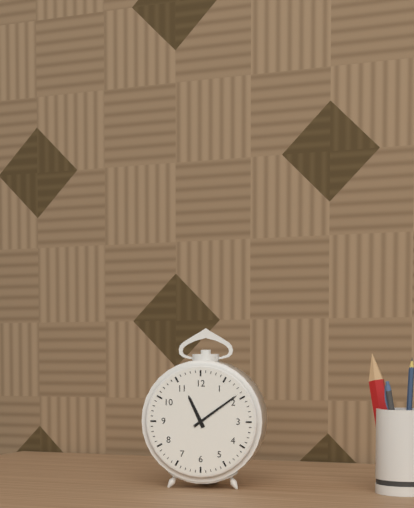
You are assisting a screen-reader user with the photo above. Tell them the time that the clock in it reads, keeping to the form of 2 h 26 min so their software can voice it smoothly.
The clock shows 11 h 09 min
